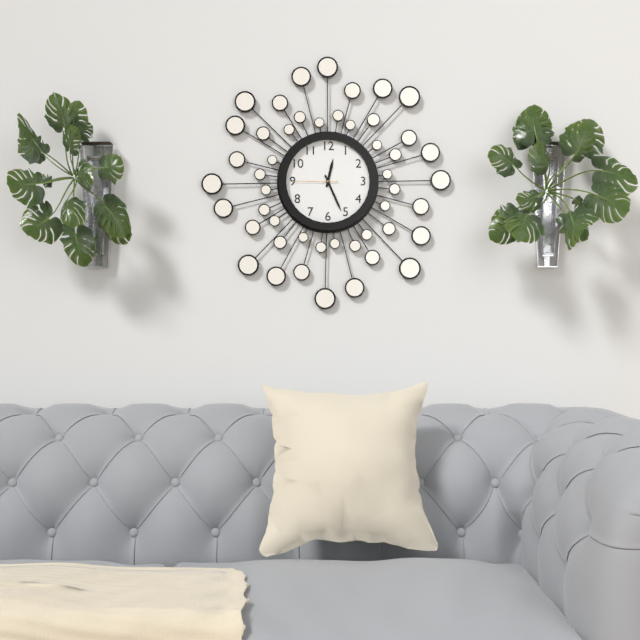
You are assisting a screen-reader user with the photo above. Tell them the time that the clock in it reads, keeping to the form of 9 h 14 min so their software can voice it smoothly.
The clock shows 12 h 26 min
